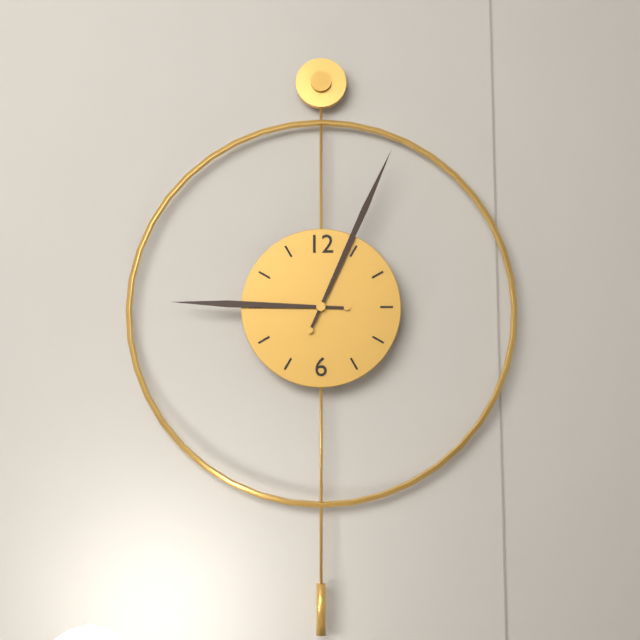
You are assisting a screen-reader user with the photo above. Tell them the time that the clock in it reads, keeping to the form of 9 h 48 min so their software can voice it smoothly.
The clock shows 9 h 04 min
